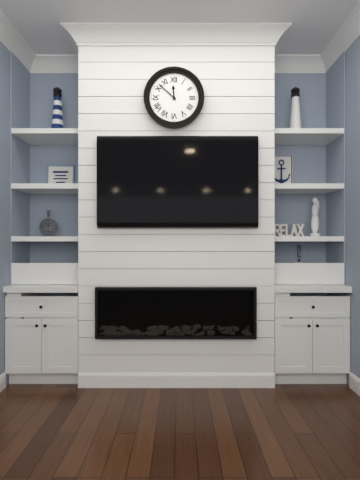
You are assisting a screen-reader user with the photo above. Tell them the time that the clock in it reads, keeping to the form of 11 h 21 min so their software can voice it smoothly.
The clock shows 11 h 52 min
